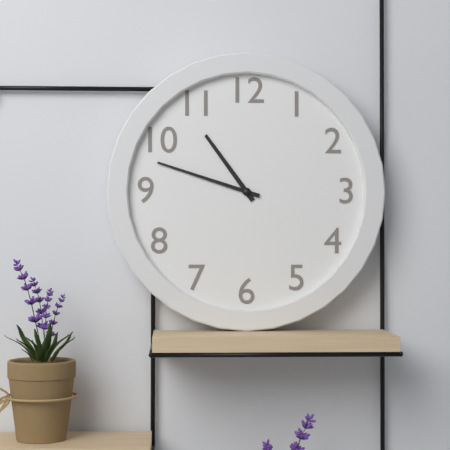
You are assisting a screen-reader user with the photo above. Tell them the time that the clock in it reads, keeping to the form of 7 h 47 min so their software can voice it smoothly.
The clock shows 10 h 48 min
